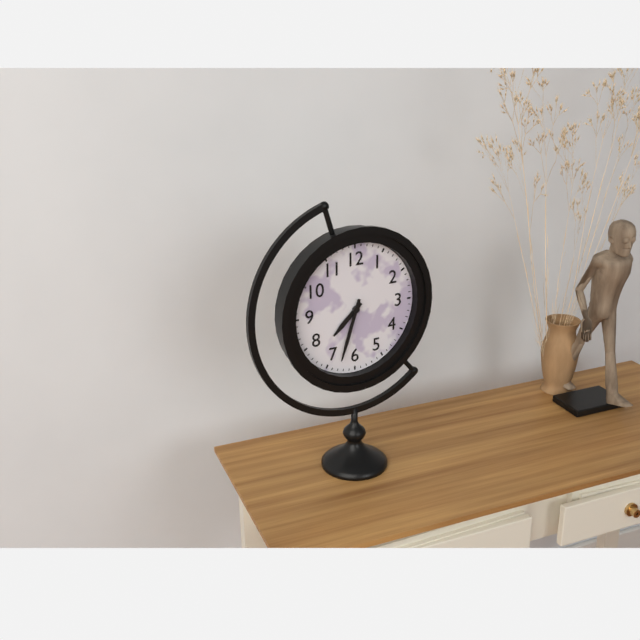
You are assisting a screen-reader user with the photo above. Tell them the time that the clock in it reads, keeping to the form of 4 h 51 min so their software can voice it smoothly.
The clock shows 7 h 33 min
